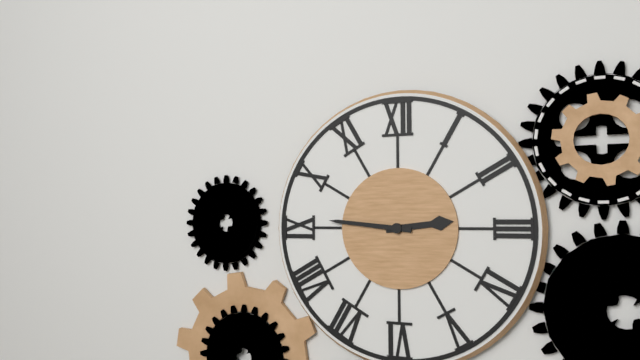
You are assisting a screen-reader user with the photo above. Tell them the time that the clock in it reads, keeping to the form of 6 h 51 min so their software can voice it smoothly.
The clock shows 2 h 46 min
